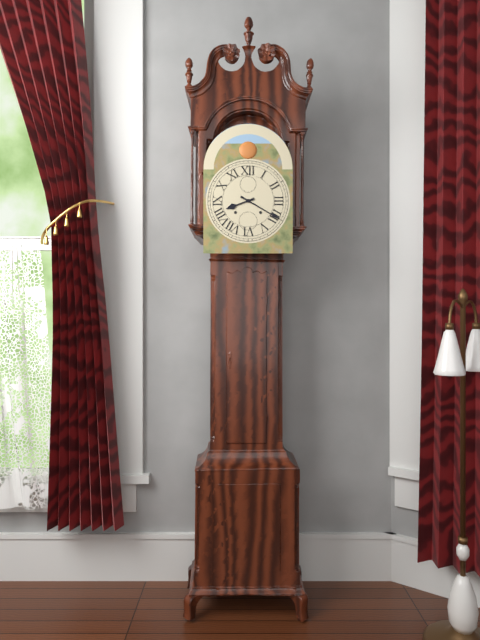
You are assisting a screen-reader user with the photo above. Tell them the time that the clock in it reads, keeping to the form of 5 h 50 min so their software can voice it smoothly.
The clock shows 8 h 20 min
